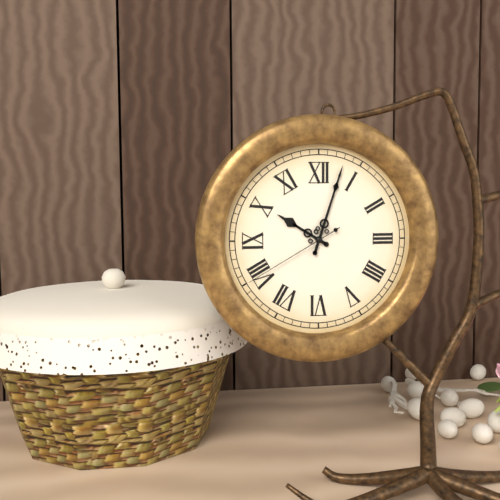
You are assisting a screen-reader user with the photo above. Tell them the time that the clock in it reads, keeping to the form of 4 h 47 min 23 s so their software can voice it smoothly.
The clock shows 10 h 03 min 40 s
